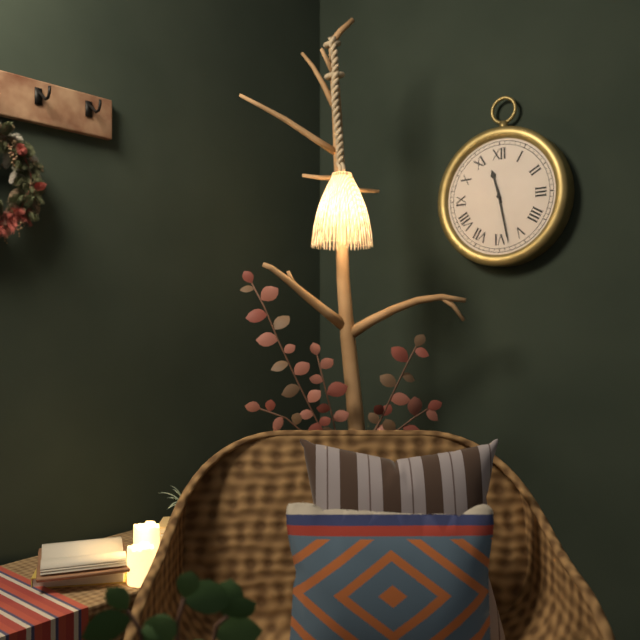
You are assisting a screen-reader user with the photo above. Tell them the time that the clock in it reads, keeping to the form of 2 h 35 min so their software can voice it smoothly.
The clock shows 11 h 28 min
